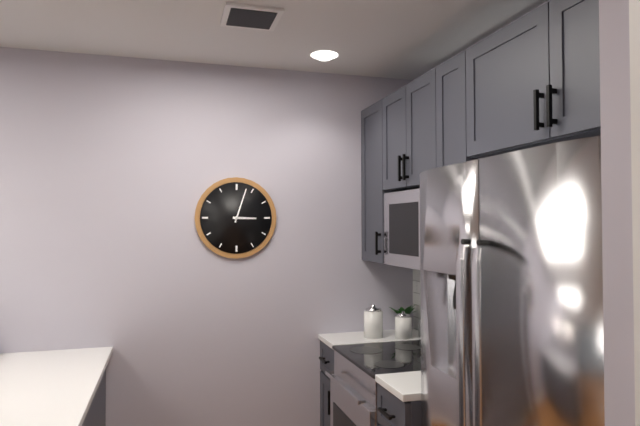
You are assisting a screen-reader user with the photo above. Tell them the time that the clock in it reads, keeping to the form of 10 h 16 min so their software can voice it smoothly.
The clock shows 3 h 03 min
